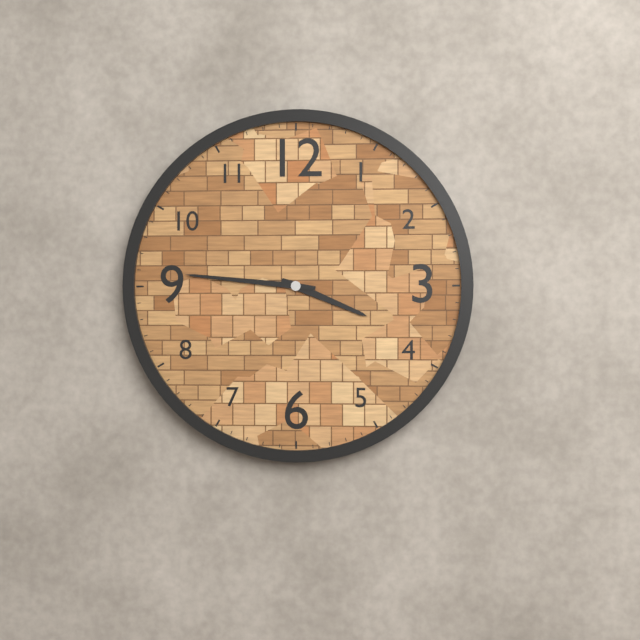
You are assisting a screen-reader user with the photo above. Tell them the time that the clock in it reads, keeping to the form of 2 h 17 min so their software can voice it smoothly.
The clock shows 3 h 46 min
